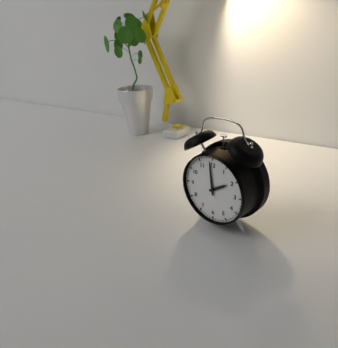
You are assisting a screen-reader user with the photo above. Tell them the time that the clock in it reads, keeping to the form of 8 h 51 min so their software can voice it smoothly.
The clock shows 1 h 59 min
